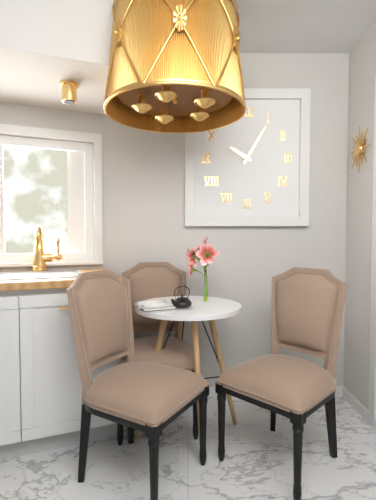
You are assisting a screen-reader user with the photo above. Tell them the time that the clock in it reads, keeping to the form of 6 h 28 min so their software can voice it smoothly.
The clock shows 10 h 05 min
